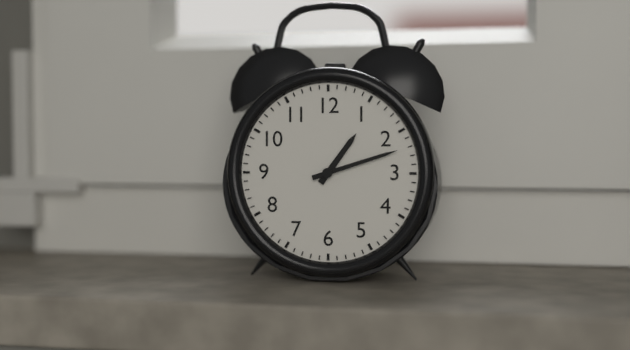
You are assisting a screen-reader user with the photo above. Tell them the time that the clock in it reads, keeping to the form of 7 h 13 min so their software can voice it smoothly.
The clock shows 1 h 12 min
